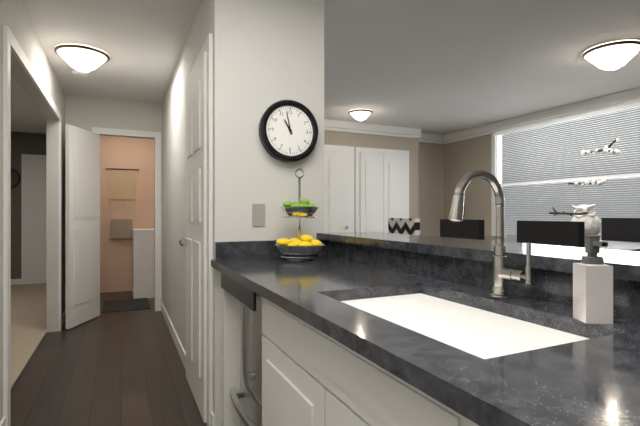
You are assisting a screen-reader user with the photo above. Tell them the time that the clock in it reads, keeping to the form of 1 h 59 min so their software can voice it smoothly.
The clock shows 10 h 58 min
